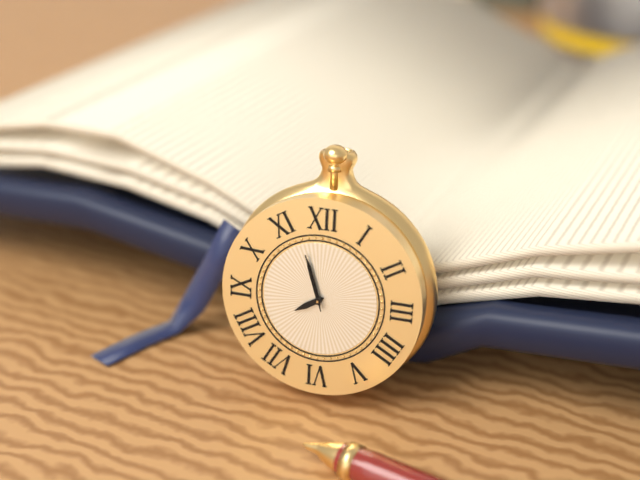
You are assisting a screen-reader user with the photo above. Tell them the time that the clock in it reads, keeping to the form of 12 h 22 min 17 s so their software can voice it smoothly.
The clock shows 7 h 57 min 57 s
